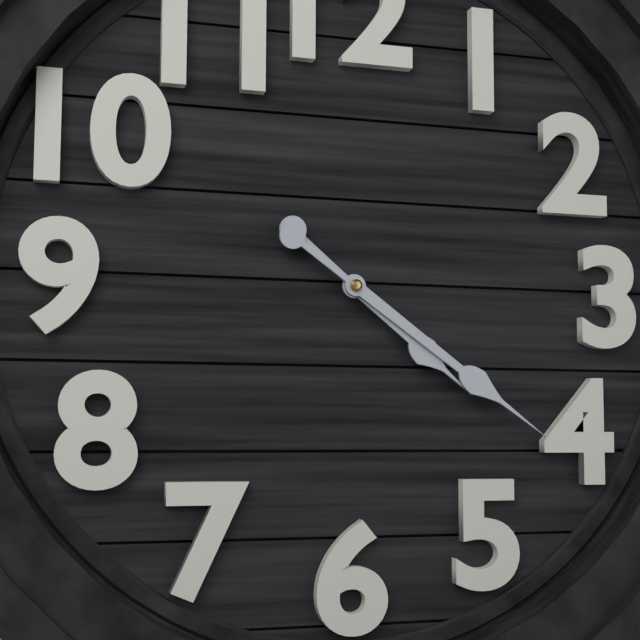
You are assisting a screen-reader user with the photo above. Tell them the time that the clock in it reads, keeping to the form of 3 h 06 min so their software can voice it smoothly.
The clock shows 4 h 21 min
